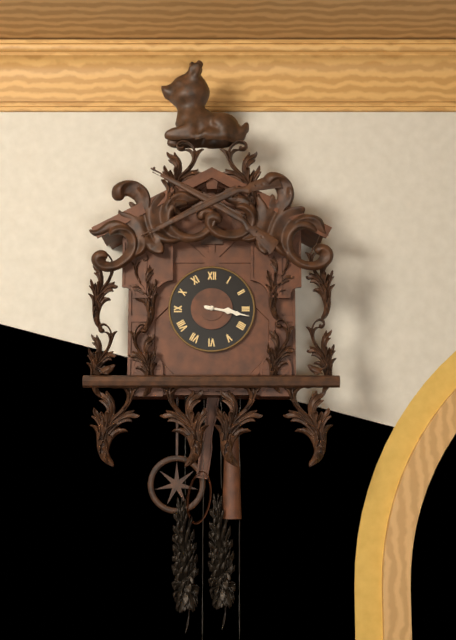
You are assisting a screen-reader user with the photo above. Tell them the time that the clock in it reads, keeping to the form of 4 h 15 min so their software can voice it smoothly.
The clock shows 3 h 17 min
